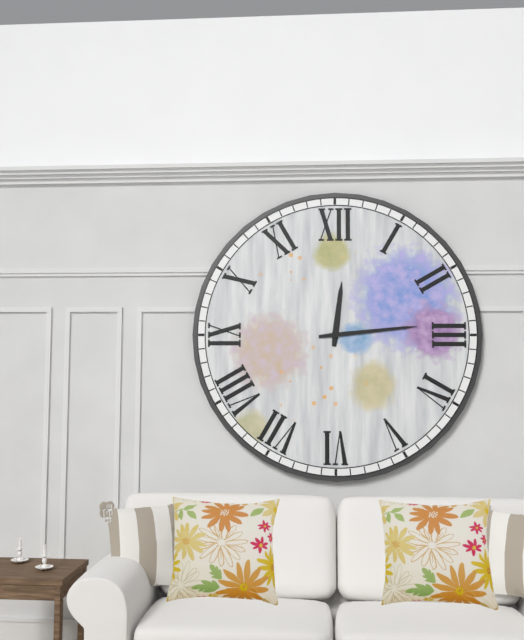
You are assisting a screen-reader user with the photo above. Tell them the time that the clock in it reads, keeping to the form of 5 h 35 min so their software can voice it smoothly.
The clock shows 12 h 14 min
